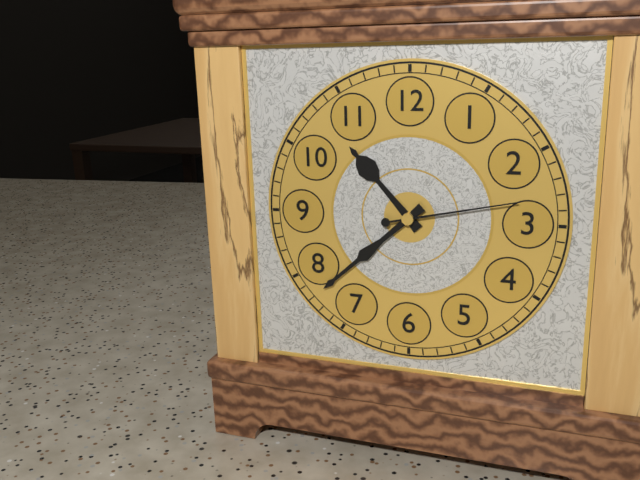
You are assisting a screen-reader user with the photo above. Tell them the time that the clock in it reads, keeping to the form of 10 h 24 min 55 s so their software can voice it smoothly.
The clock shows 10 h 38 min 13 s
